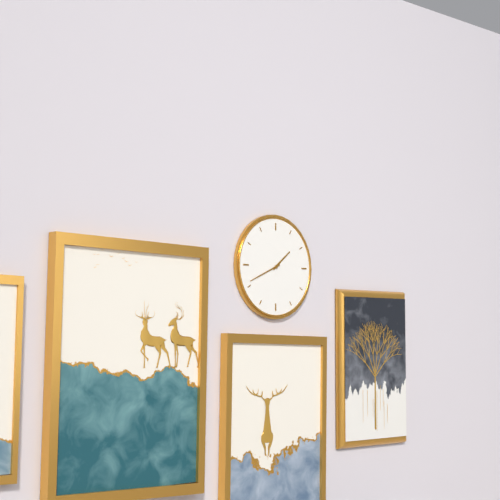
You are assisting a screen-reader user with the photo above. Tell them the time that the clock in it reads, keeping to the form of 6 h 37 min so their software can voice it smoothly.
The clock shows 1 h 41 min
